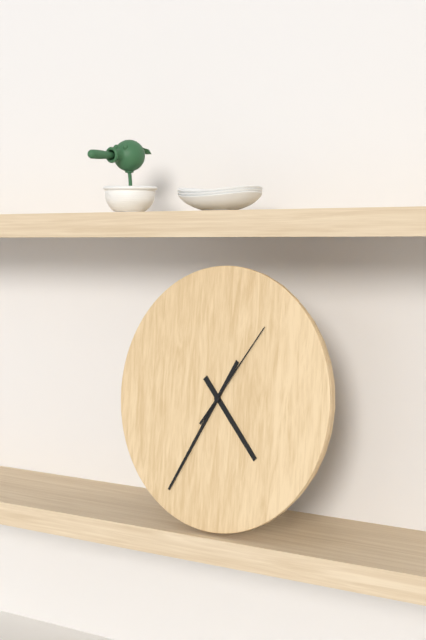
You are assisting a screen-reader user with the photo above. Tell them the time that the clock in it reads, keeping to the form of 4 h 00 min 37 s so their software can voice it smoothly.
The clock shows 4 h 35 min 06 s
